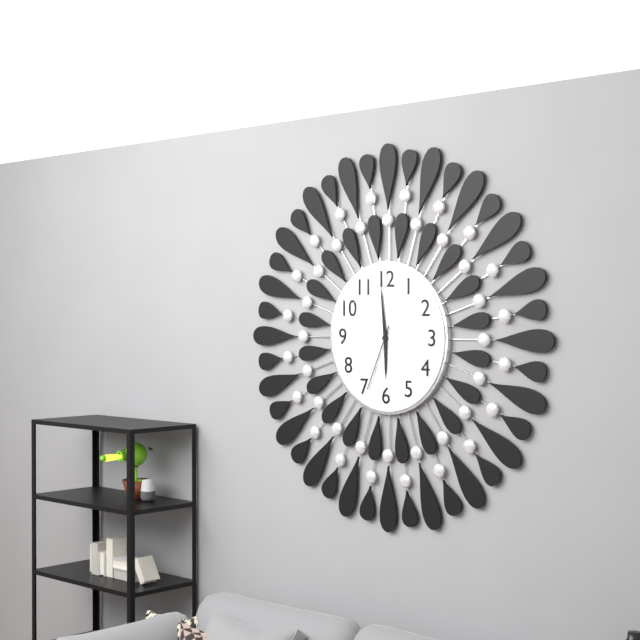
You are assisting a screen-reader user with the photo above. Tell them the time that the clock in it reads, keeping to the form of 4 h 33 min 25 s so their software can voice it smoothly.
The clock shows 5 h 59 min 34 s
